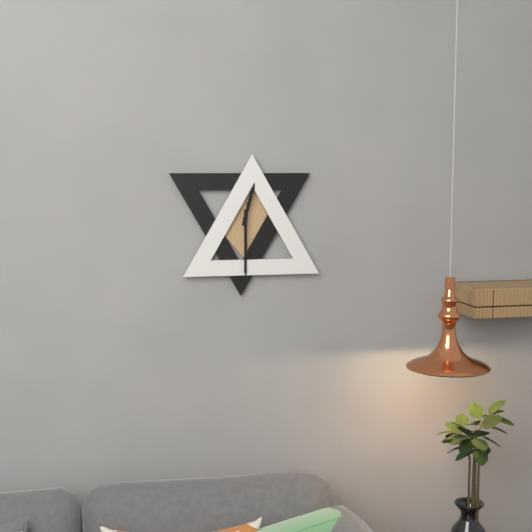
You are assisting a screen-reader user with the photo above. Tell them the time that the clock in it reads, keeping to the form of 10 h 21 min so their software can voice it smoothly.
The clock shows 12 h 30 min
